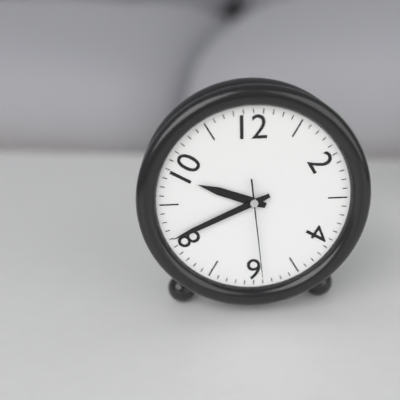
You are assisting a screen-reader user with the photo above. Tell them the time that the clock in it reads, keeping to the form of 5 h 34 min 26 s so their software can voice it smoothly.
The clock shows 9 h 41 min 29 s
